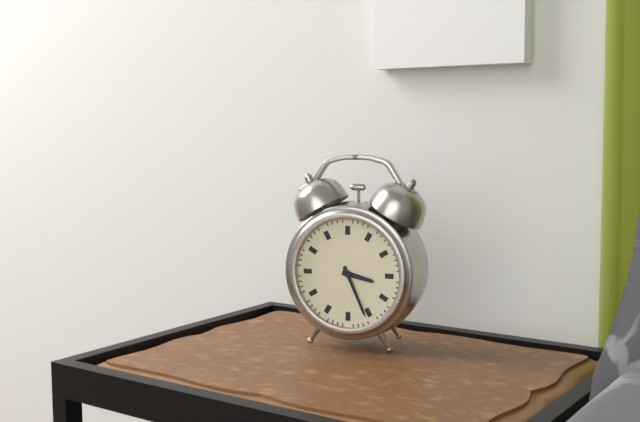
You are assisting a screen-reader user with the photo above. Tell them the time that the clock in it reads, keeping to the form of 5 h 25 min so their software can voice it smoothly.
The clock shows 3 h 26 min
